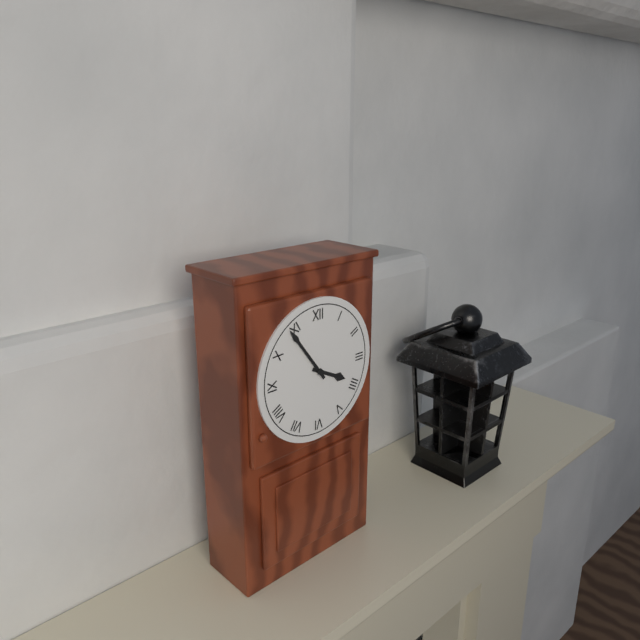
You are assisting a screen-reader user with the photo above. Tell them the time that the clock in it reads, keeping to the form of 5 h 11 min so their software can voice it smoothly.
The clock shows 3 h 54 min
